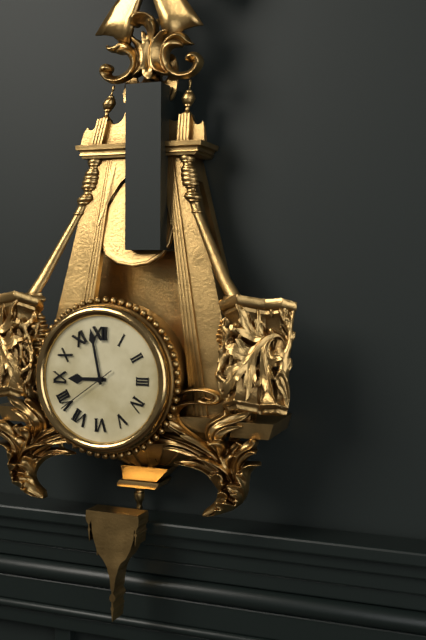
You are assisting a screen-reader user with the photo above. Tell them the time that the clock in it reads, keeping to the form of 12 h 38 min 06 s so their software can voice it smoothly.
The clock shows 8 h 58 min 39 s
